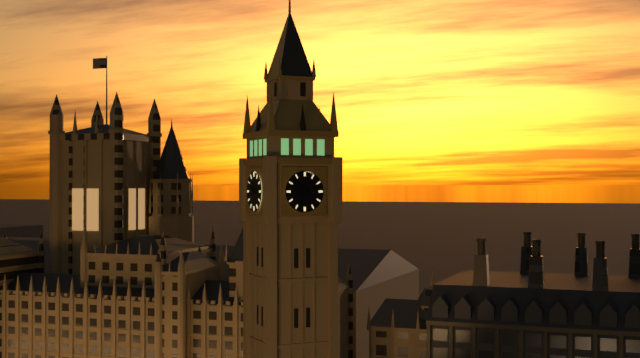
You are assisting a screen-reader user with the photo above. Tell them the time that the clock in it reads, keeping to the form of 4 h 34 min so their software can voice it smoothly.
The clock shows 11 h 51 min
